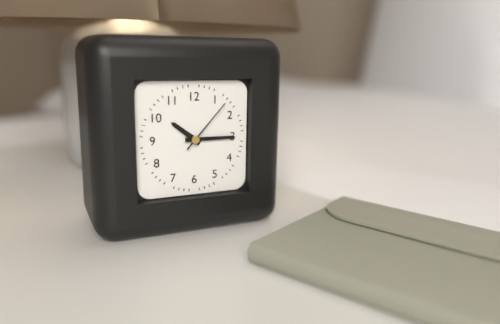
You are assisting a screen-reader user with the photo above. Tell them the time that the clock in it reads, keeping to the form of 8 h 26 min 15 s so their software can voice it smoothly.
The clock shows 10 h 15 min 07 s
